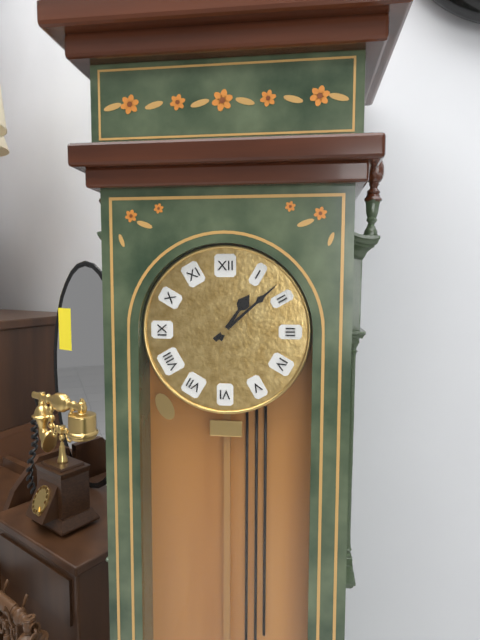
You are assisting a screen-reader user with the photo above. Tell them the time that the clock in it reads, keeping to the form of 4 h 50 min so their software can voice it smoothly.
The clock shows 1 h 08 min
